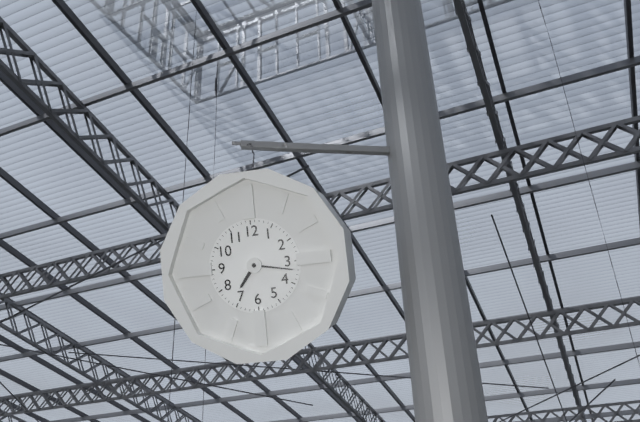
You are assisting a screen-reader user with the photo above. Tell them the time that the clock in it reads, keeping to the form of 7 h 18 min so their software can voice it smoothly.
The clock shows 7 h 17 min
